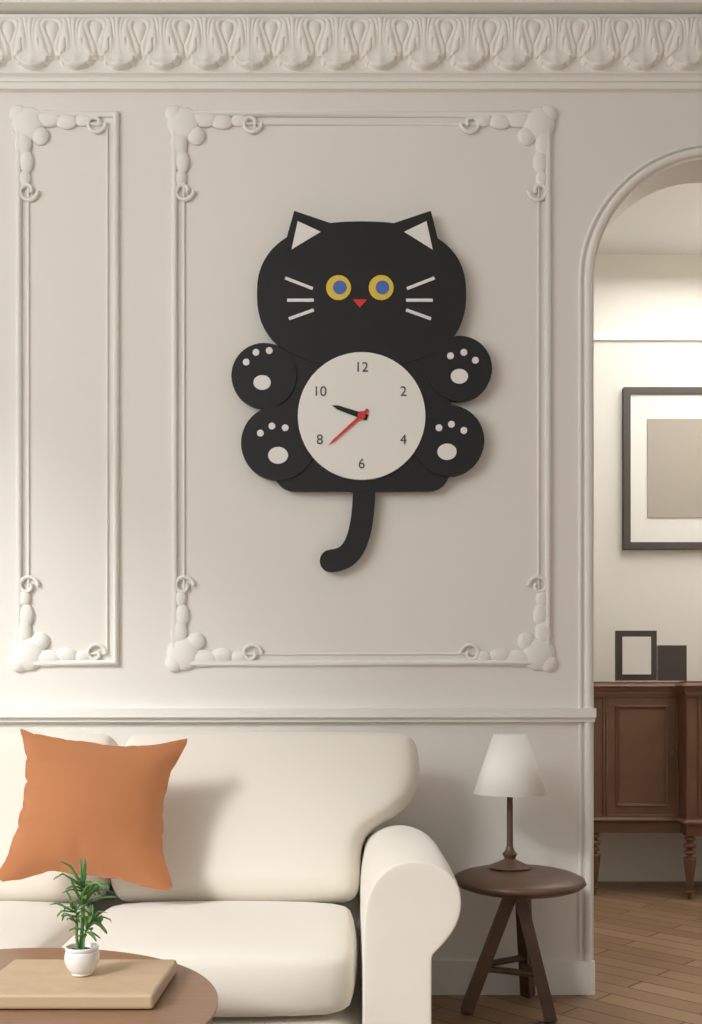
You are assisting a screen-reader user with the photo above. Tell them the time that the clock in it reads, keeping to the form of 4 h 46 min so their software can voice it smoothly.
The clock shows 9 h 38 min
